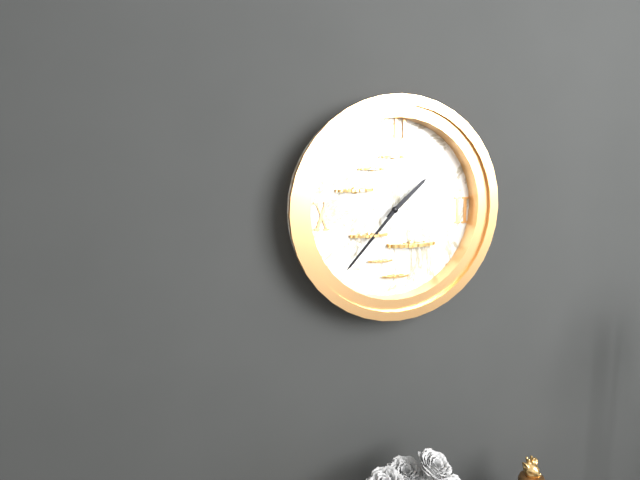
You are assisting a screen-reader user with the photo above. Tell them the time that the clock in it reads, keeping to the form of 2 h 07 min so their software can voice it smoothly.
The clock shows 1 h 37 min
